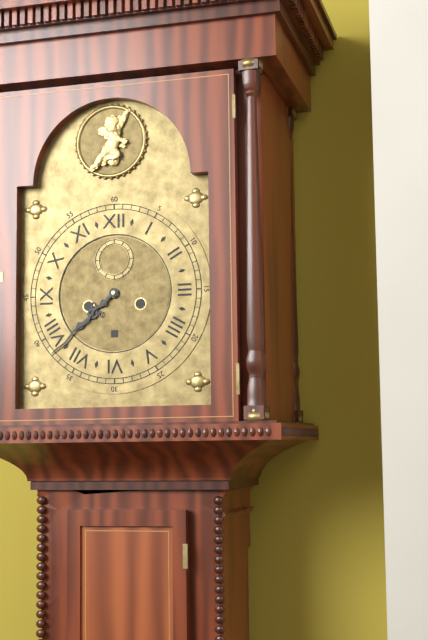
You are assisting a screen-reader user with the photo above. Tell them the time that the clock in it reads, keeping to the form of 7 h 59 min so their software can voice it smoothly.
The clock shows 7 h 38 min
